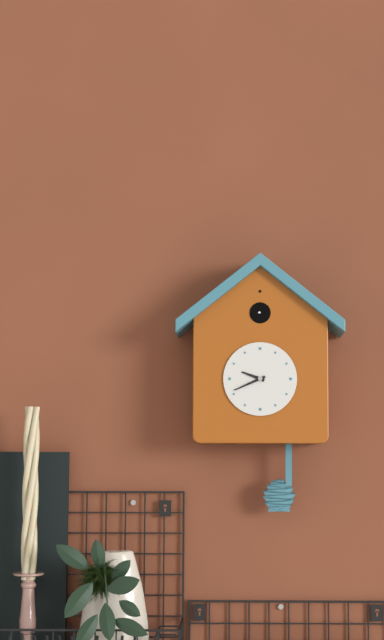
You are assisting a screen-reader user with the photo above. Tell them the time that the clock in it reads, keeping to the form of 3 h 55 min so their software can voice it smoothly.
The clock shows 9 h 41 min
